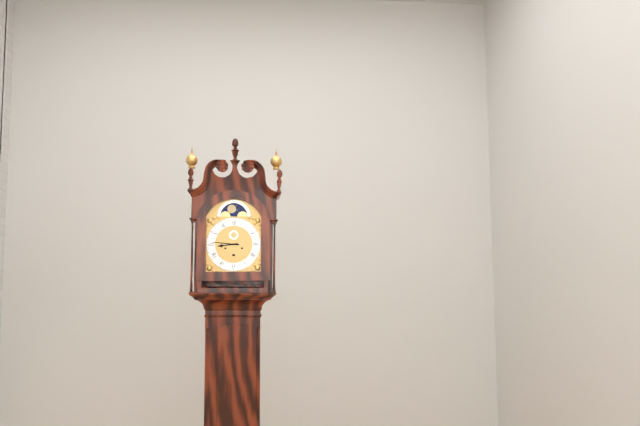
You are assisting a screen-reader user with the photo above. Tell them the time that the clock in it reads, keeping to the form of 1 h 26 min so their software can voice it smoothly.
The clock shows 8 h 46 min
